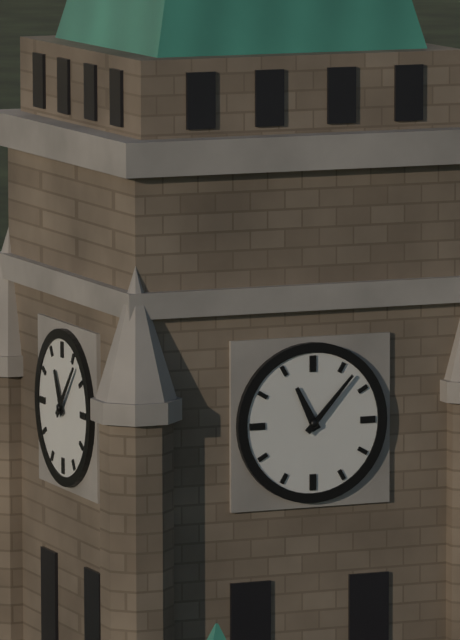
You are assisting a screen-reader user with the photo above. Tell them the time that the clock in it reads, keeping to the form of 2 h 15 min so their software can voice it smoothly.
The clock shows 11 h 07 min
